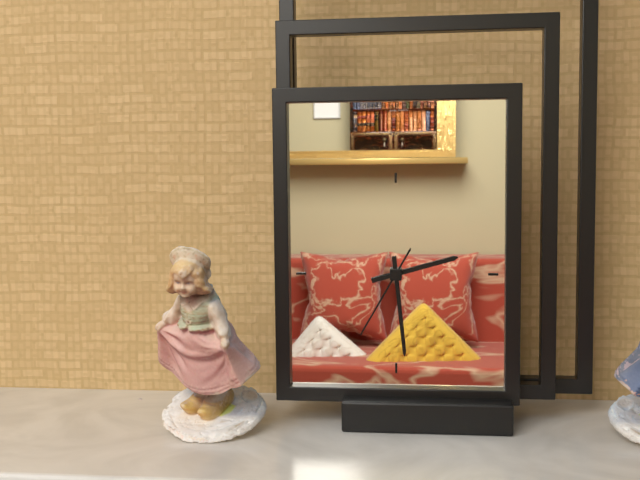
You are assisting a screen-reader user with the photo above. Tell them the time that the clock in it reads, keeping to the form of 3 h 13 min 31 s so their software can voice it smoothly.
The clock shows 2 h 29 min 35 s
